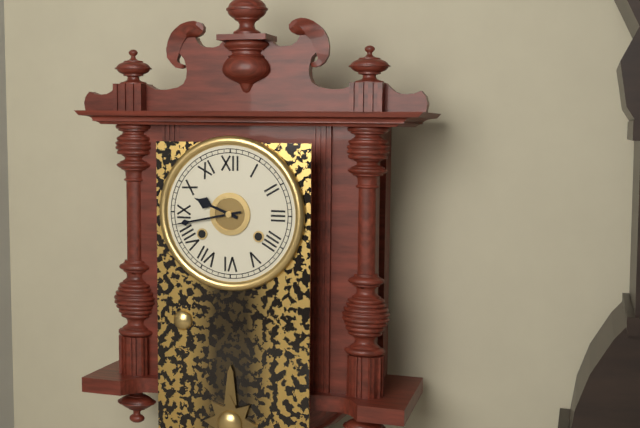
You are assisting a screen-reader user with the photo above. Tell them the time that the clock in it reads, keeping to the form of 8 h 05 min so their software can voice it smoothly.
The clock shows 9 h 43 min
